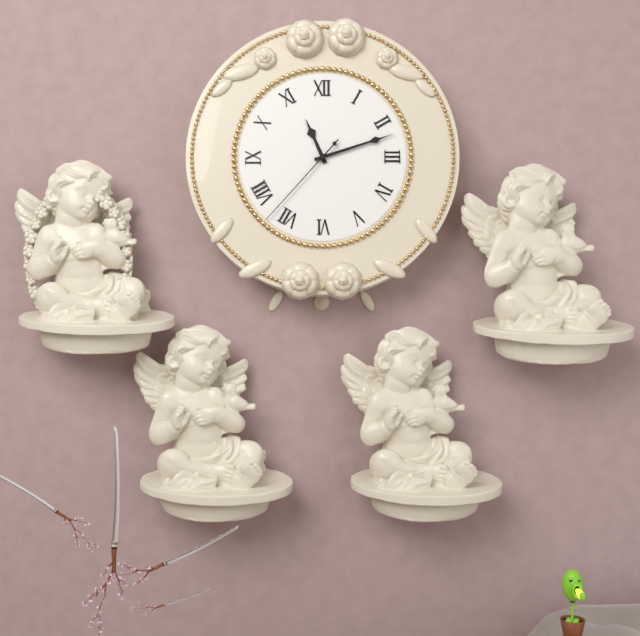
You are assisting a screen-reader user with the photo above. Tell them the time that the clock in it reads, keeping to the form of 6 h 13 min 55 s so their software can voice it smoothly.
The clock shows 11 h 12 min 37 s
